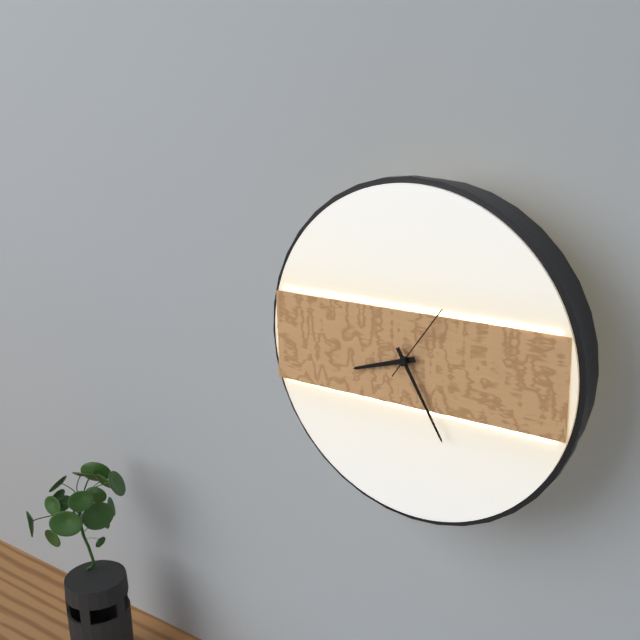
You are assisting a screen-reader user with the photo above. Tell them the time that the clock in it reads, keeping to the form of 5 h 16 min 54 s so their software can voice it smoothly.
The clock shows 8 h 25 min 06 s
